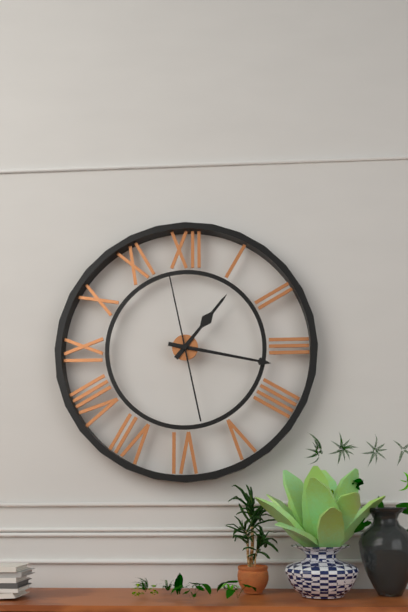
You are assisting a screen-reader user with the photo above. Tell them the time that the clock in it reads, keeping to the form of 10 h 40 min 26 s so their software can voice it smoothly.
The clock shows 1 h 17 min 58 s
